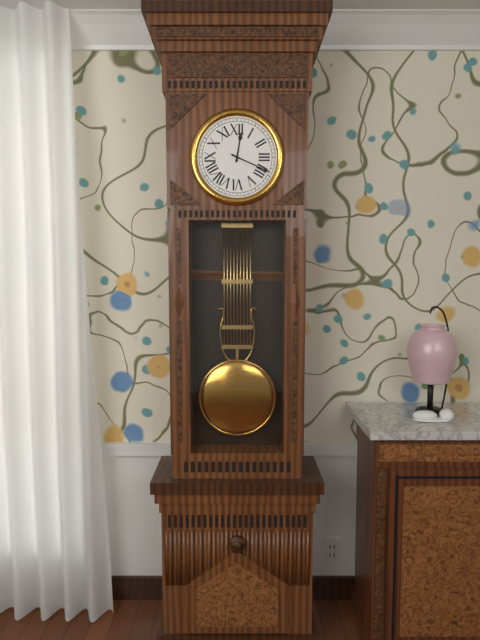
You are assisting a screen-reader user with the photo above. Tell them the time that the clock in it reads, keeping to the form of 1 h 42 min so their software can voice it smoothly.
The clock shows 12 h 19 min
